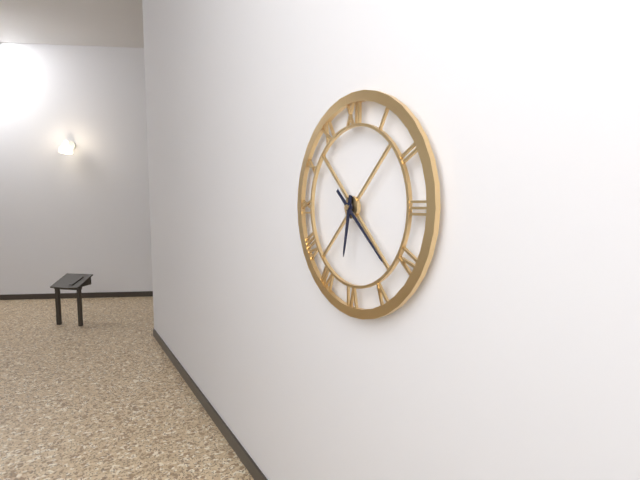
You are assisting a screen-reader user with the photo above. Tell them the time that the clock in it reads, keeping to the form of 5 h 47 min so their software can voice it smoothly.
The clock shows 6 h 22 min
